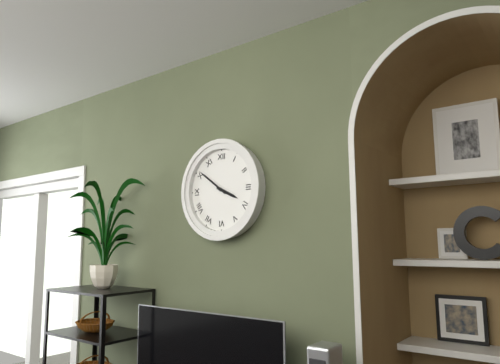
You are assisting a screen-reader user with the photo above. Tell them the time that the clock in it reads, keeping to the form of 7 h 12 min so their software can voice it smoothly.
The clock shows 3 h 51 min
